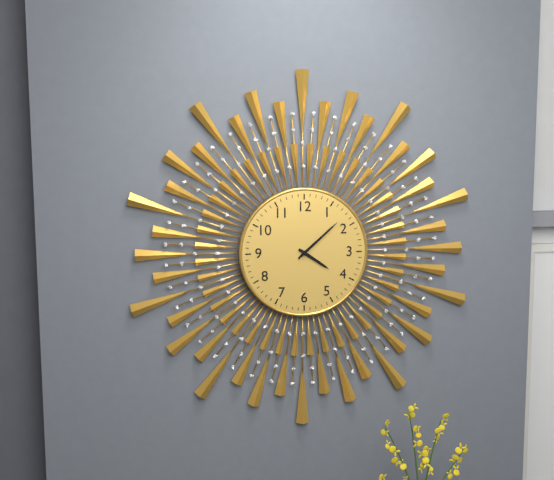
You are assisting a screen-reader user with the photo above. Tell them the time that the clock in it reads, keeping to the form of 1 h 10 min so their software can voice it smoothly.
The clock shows 4 h 08 min
